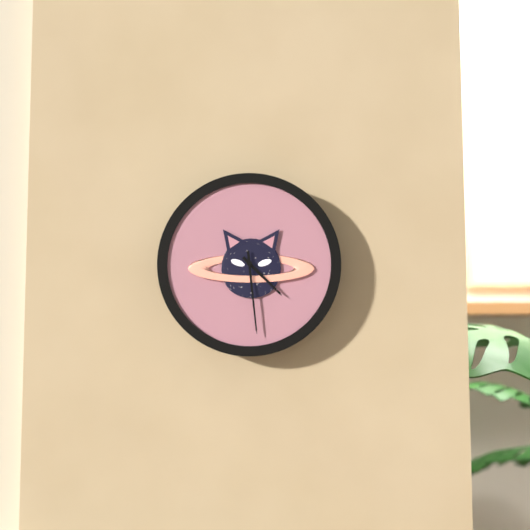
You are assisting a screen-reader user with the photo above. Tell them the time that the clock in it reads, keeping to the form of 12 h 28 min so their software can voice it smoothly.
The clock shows 4 h 29 min
